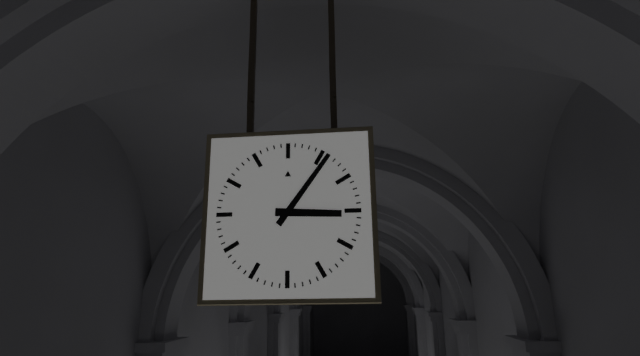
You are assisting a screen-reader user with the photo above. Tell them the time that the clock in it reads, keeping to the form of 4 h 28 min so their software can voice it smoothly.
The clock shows 3 h 06 min
